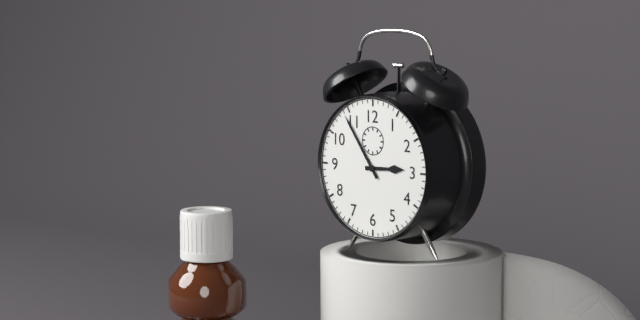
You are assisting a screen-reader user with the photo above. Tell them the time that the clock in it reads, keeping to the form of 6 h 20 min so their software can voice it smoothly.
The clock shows 2 h 54 min
